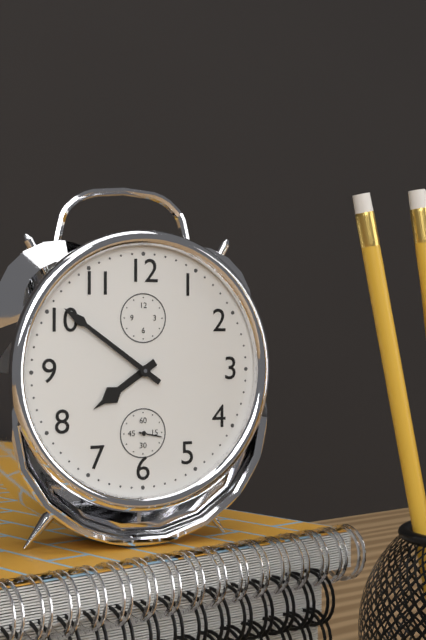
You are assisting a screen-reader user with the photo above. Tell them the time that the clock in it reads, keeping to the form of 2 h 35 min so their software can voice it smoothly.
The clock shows 7 h 51 min
